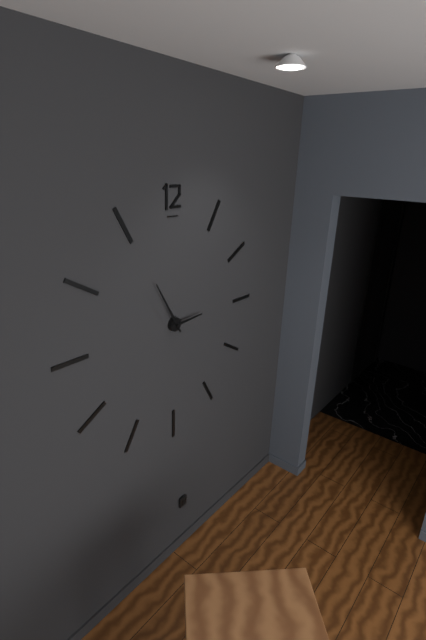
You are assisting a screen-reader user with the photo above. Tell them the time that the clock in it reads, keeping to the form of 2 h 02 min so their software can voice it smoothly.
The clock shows 2 h 55 min
